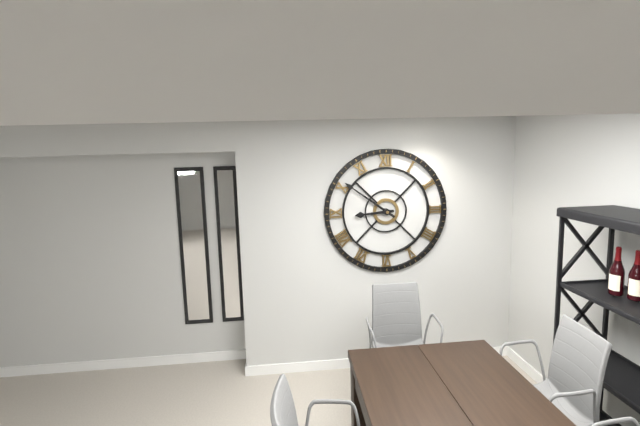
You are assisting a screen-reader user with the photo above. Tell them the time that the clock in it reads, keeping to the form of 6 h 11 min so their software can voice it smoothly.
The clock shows 8 h 51 min
